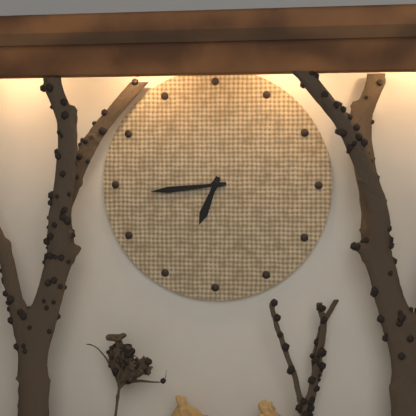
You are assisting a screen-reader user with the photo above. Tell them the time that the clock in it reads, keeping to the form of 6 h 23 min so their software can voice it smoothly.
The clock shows 6 h 44 min
